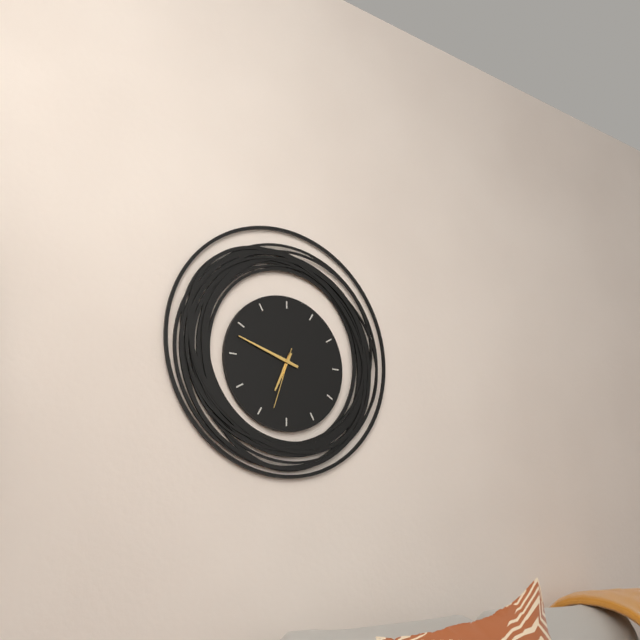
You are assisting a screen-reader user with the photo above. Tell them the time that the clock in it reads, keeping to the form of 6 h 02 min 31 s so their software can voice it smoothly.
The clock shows 6 h 48 min 33 s
